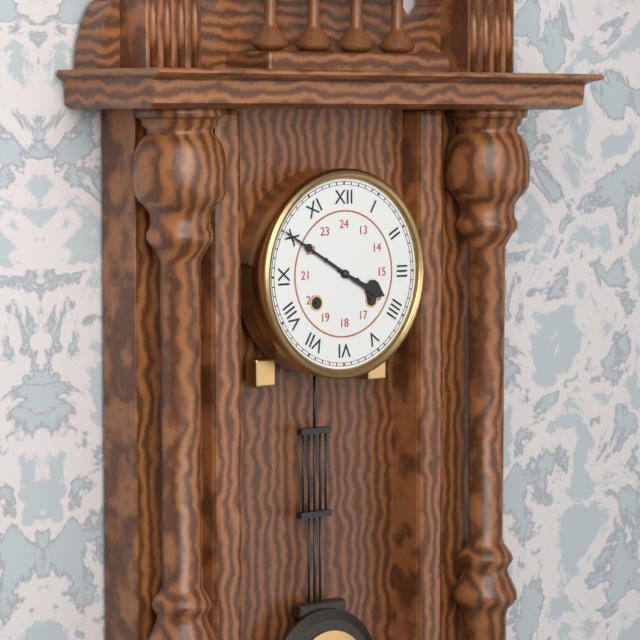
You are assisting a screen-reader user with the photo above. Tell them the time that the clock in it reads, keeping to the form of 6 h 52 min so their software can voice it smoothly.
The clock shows 3 h 50 min
